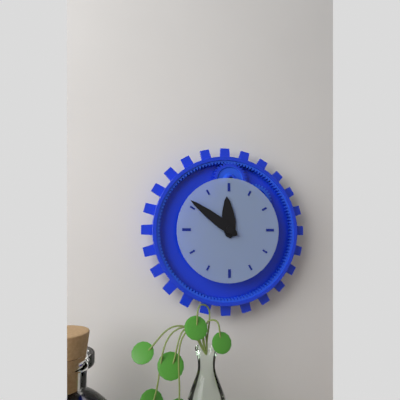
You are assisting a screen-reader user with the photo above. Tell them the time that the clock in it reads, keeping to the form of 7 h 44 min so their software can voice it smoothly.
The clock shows 11 h 51 min
